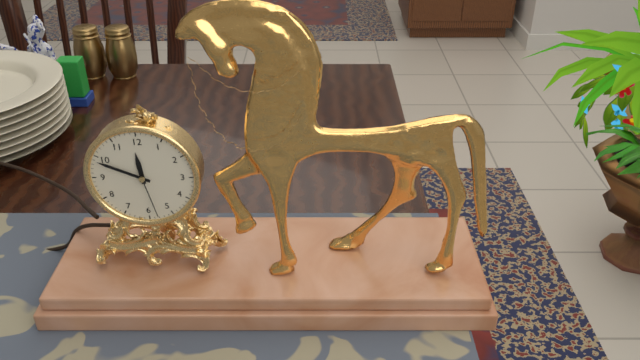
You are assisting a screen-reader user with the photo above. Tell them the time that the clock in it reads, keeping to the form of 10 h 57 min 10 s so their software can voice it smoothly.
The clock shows 11 h 49 min 28 s
